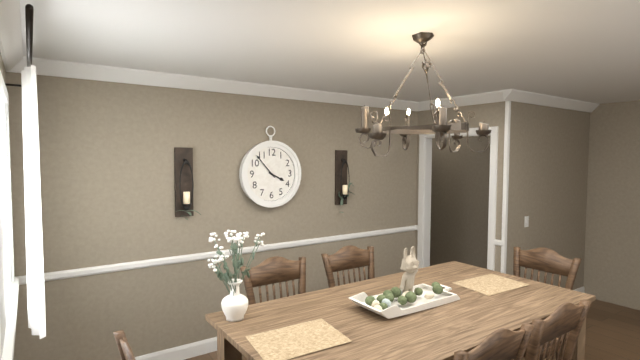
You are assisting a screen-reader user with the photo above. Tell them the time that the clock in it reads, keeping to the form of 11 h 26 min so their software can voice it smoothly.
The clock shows 3 h 53 min
